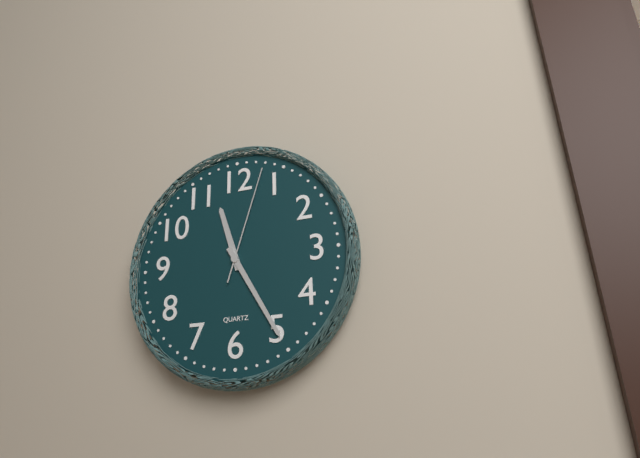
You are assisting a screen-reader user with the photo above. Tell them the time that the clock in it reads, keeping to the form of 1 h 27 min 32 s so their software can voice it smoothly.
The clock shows 11 h 25 min 03 s
